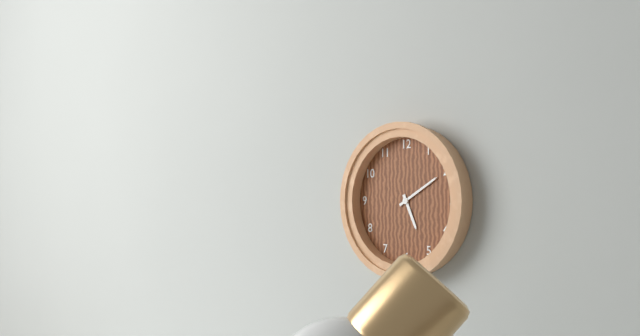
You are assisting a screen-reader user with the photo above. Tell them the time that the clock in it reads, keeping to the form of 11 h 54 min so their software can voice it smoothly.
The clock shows 5 h 10 min
